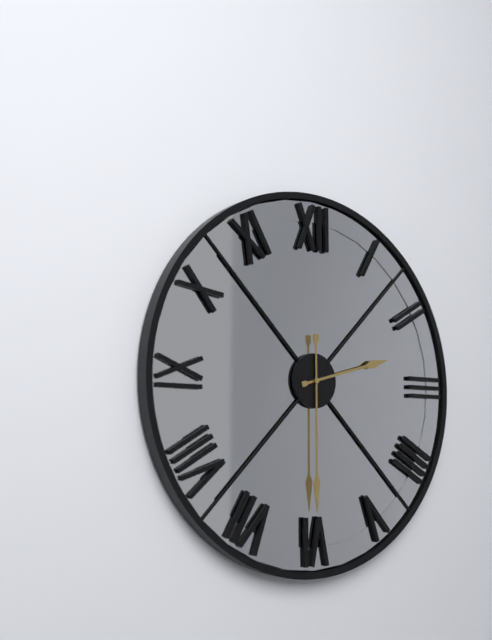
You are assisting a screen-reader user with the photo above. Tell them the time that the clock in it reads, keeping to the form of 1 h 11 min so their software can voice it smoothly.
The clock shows 2 h 30 min
